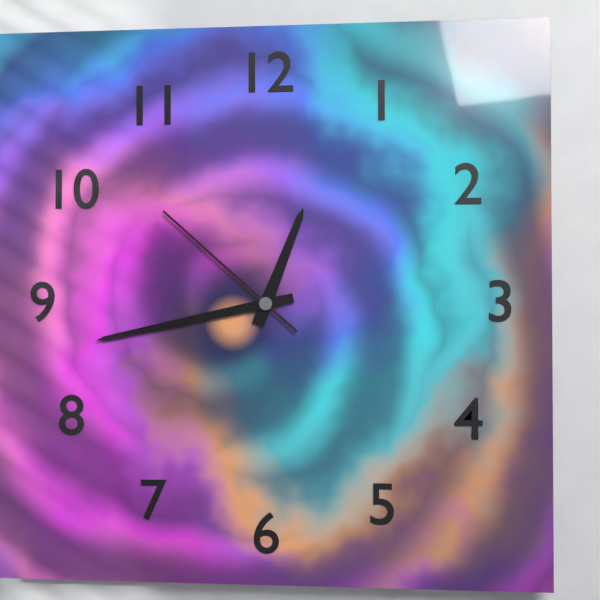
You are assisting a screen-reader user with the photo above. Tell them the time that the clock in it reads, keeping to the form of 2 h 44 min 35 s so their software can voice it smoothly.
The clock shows 12 h 43 min 52 s
